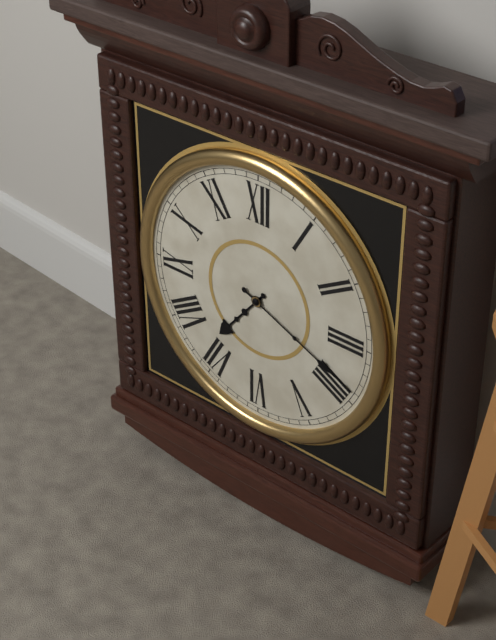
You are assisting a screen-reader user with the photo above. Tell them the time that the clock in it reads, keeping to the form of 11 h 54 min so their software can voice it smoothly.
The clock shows 7 h 19 min
